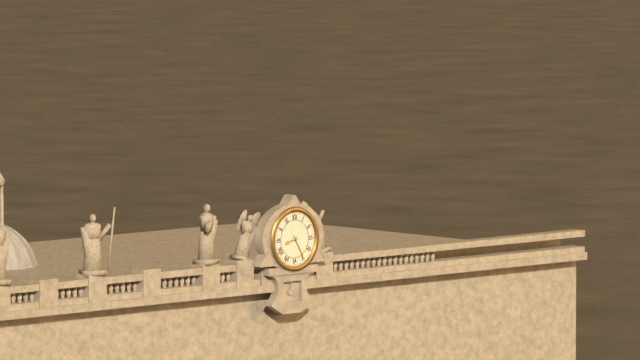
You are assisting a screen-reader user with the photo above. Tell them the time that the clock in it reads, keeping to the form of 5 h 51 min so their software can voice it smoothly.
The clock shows 8 h 25 min
